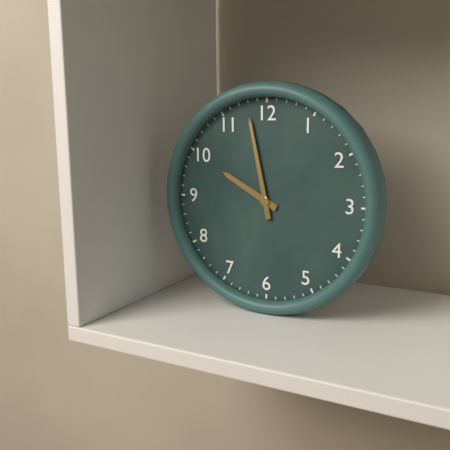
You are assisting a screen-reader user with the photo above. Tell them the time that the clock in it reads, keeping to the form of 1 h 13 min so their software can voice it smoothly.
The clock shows 9 h 58 min
